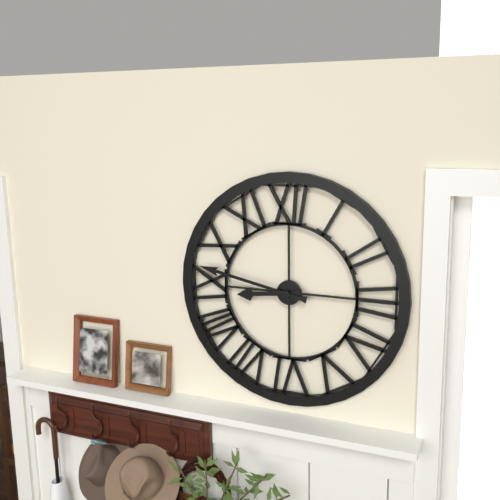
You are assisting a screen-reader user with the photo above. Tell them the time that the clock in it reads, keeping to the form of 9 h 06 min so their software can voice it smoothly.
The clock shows 8 h 47 min
